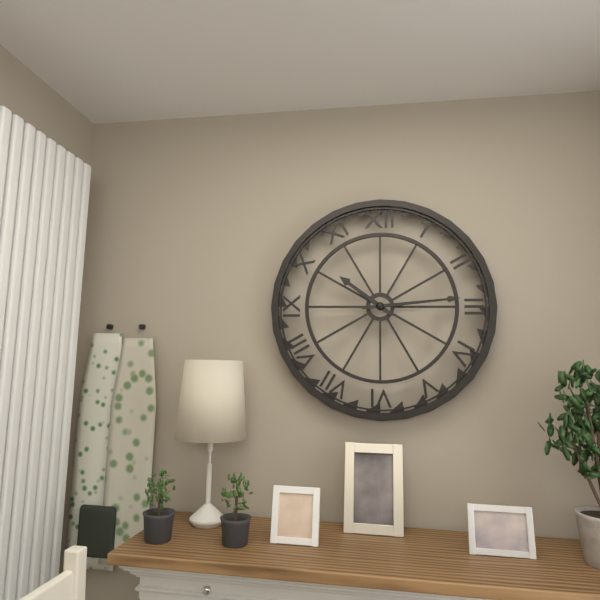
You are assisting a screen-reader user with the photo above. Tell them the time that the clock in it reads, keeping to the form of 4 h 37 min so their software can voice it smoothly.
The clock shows 10 h 14 min
